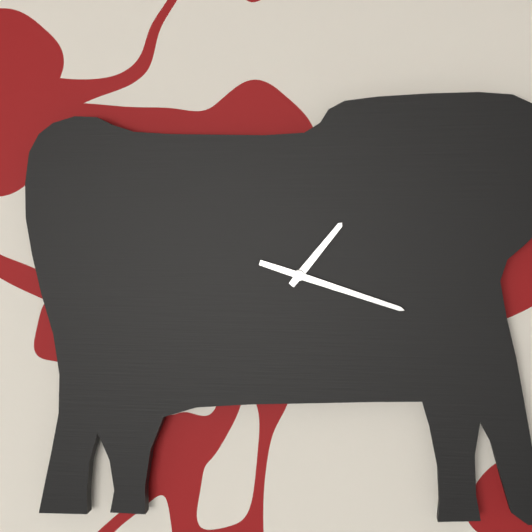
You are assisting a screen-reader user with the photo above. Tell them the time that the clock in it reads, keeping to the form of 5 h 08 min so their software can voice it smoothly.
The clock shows 1 h 18 min
